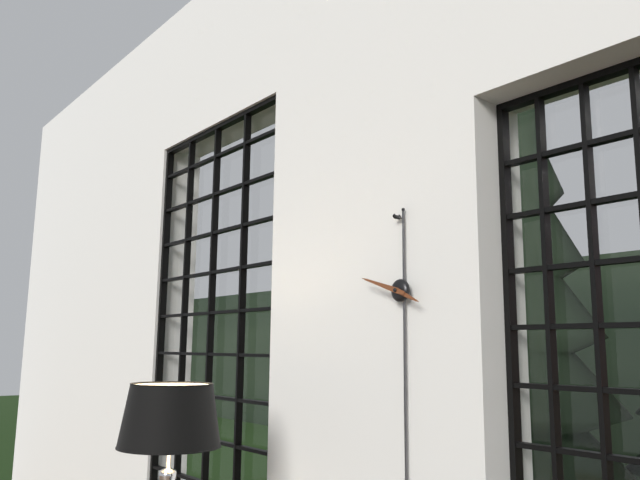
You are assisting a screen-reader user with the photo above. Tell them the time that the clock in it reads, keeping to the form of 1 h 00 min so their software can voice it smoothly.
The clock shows 3 h 48 min
